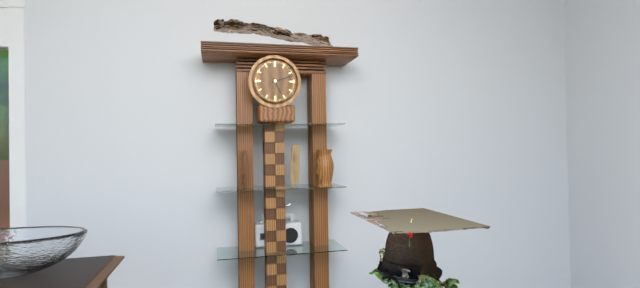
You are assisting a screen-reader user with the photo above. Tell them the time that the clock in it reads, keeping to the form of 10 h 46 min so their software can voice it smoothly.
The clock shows 5 h 12 min
